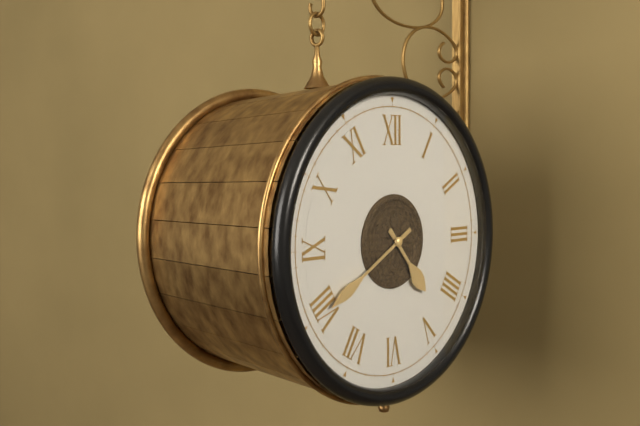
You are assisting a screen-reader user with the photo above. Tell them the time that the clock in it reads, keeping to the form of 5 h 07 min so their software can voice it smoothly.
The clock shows 4 h 40 min
